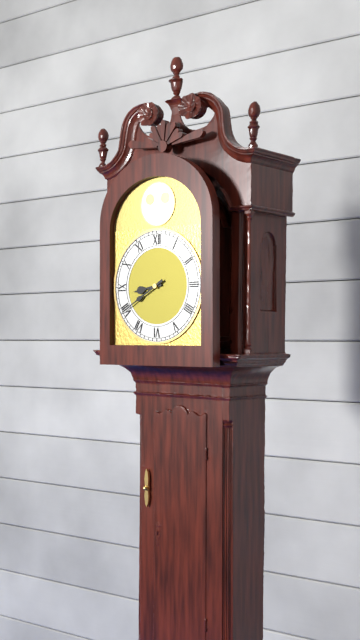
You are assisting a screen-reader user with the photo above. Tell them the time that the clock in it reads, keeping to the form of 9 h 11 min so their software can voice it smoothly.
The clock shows 8 h 40 min
